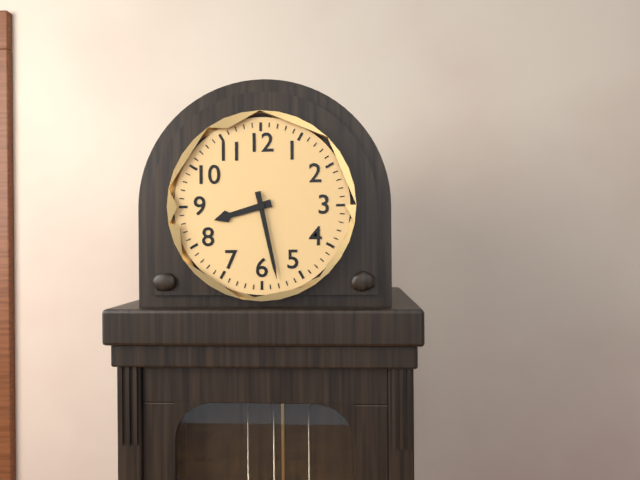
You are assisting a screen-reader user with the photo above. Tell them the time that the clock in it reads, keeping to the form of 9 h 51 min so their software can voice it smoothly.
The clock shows 8 h 28 min
